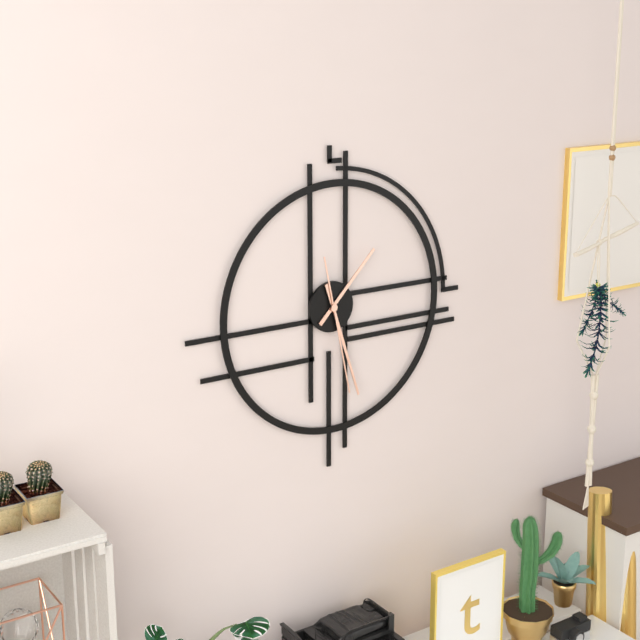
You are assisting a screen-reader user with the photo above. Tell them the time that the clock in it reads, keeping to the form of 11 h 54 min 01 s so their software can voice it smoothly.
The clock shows 1 h 27 min 28 s
